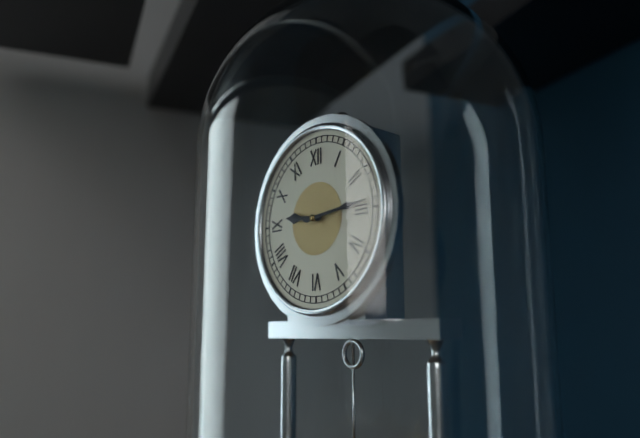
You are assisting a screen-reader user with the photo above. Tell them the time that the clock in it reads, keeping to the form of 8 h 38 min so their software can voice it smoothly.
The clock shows 9 h 14 min
